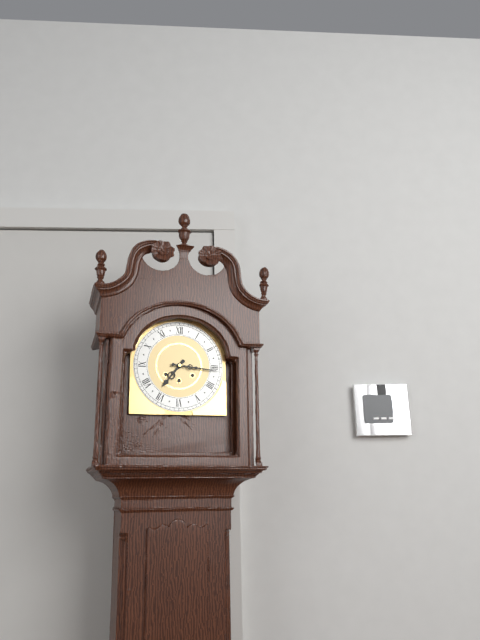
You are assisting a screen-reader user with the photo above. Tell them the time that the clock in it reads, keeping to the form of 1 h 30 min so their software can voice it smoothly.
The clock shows 7 h 16 min
